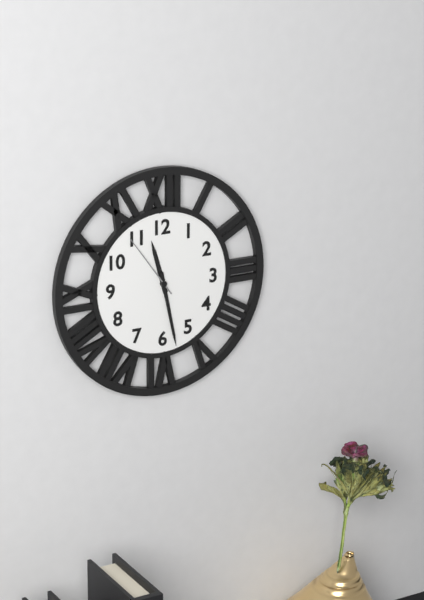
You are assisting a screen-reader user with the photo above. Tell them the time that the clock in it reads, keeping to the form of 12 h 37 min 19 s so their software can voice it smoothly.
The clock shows 11 h 28 min 54 s
